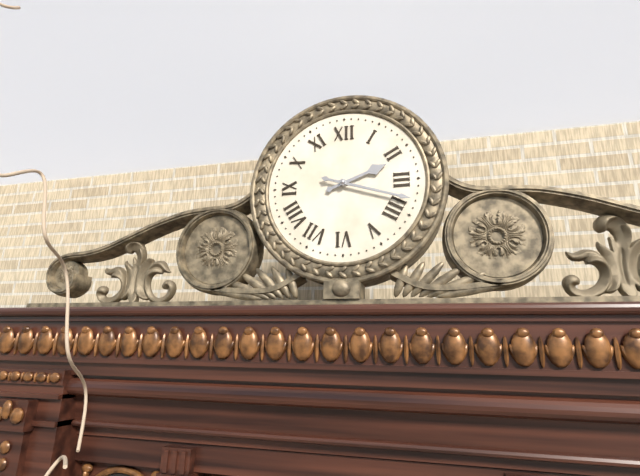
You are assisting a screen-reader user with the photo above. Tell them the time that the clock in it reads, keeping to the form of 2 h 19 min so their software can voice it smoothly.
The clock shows 2 h 18 min
